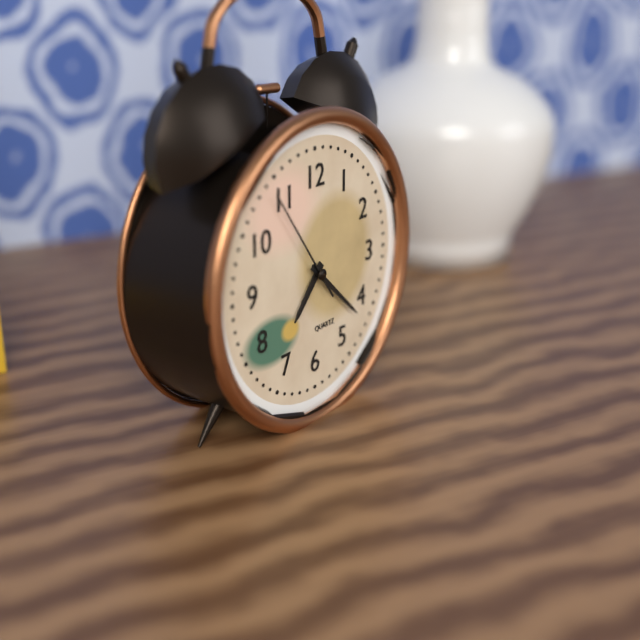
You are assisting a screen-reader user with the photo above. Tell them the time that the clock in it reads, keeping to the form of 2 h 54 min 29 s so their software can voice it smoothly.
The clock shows 7 h 22 min 54 s
